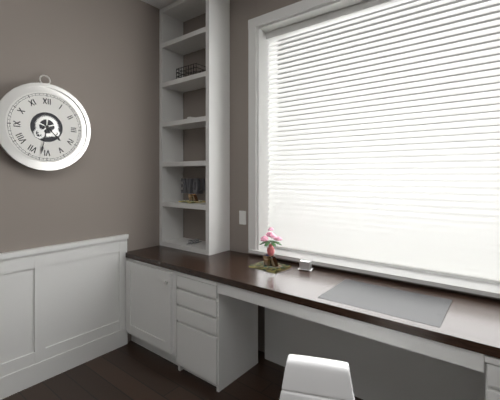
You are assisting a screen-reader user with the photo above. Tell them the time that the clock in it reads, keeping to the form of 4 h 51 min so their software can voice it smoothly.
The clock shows 4 h 32 min
